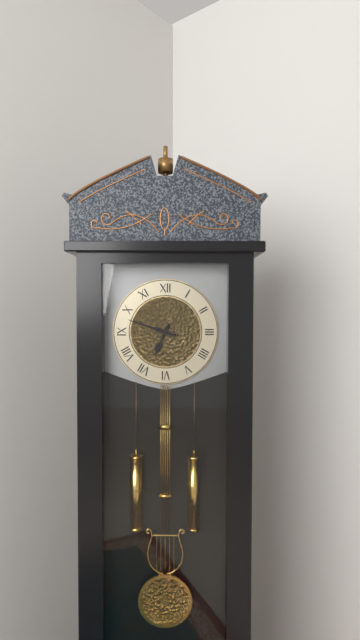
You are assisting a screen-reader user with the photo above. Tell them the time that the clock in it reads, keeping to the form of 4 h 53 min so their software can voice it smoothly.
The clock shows 6 h 48 min
